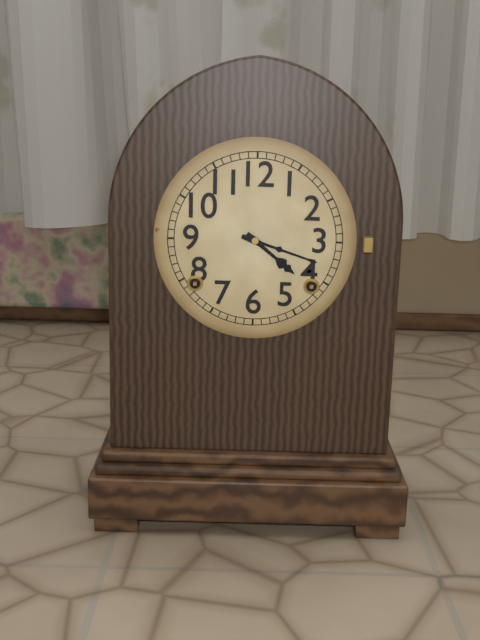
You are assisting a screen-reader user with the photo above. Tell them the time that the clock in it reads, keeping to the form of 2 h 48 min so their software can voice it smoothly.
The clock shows 4 h 18 min
